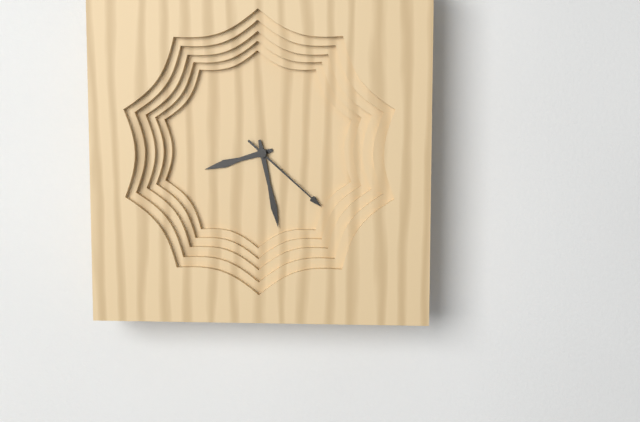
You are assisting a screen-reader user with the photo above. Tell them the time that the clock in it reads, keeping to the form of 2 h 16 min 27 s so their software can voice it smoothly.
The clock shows 8 h 28 min 22 s
